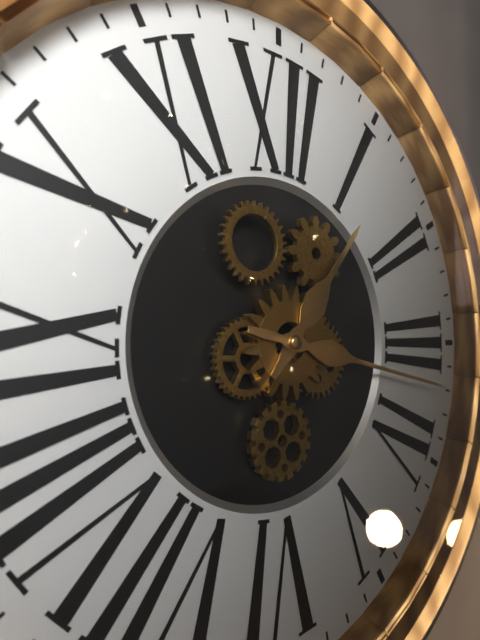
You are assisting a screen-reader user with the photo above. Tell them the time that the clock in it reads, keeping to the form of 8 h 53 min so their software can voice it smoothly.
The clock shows 1 h 17 min
